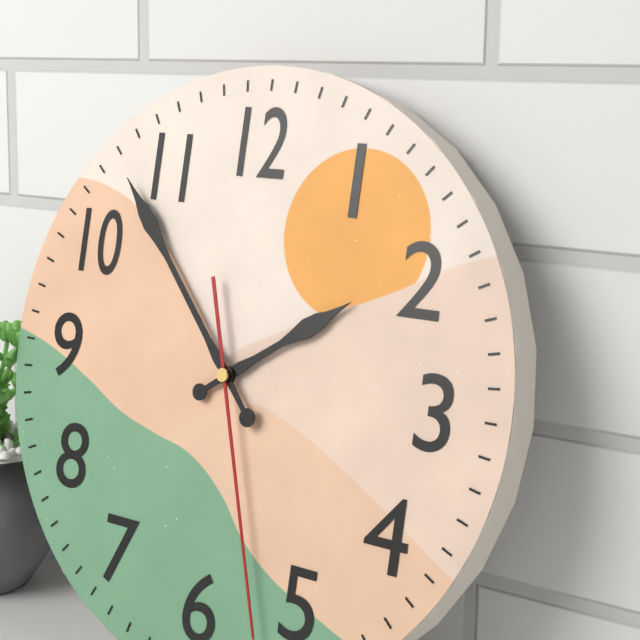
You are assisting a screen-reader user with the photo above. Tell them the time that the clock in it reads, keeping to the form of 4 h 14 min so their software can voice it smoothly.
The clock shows 1 h 53 min
